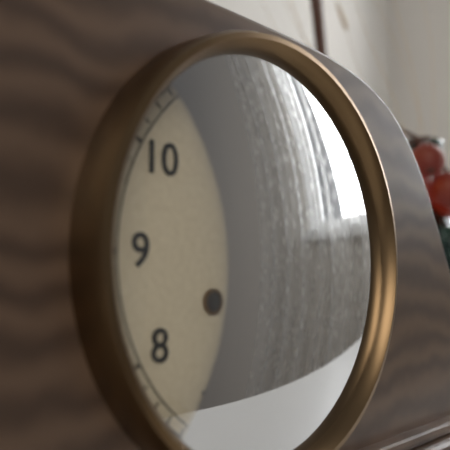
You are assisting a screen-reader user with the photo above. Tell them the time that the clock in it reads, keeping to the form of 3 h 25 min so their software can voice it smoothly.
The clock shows 2 h 19 min
